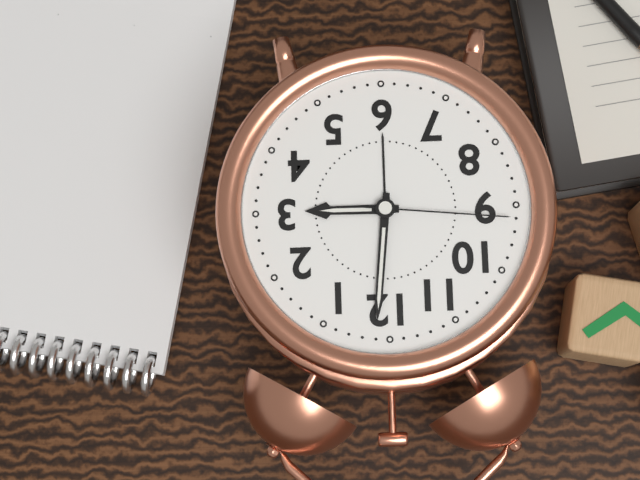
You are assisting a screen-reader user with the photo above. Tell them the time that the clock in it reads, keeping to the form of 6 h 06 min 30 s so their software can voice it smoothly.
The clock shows 3 h 01 min 46 s
